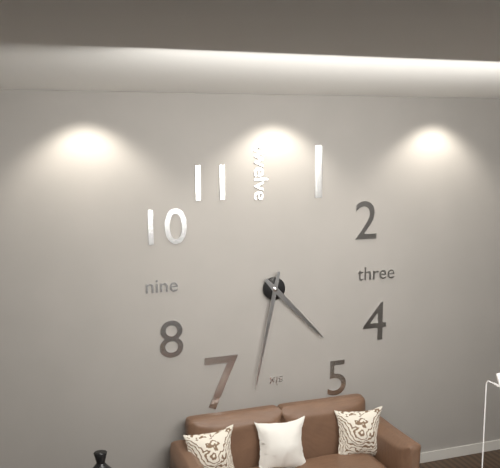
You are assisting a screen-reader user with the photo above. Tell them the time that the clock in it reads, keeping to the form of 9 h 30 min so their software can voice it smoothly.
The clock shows 4 h 32 min
